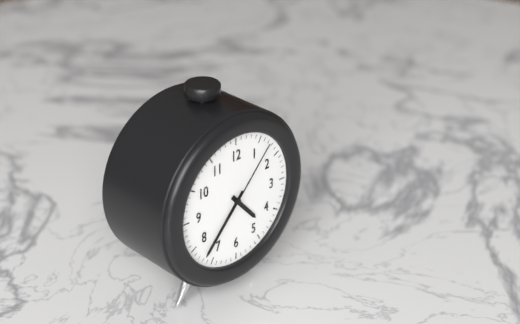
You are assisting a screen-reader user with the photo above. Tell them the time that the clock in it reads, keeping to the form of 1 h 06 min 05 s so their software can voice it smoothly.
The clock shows 4 h 37 min 07 s
